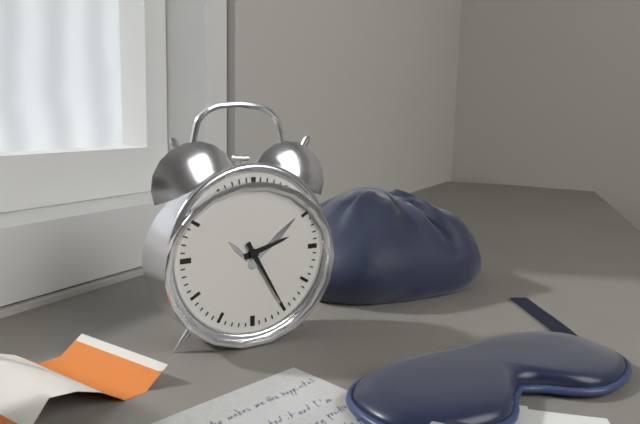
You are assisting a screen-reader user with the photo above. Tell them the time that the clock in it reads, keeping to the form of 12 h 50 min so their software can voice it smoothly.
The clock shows 2 h 25 min
